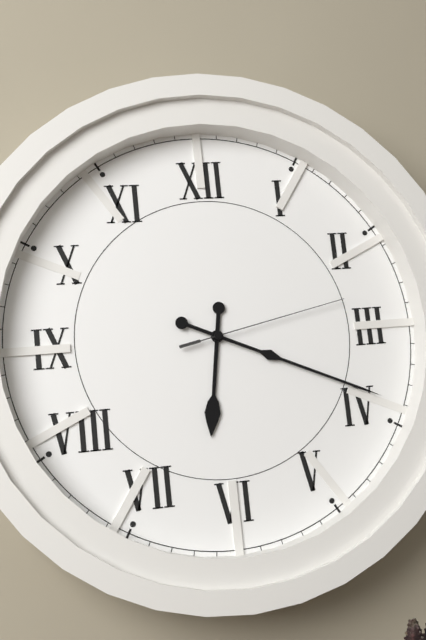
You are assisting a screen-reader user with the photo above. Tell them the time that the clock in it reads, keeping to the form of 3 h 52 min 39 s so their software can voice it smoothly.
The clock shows 6 h 19 min 13 s
